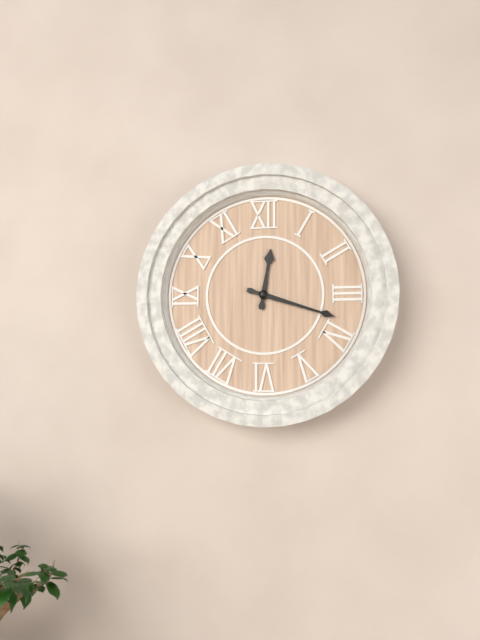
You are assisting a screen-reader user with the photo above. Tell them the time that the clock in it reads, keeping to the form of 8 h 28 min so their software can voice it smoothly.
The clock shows 12 h 18 min
